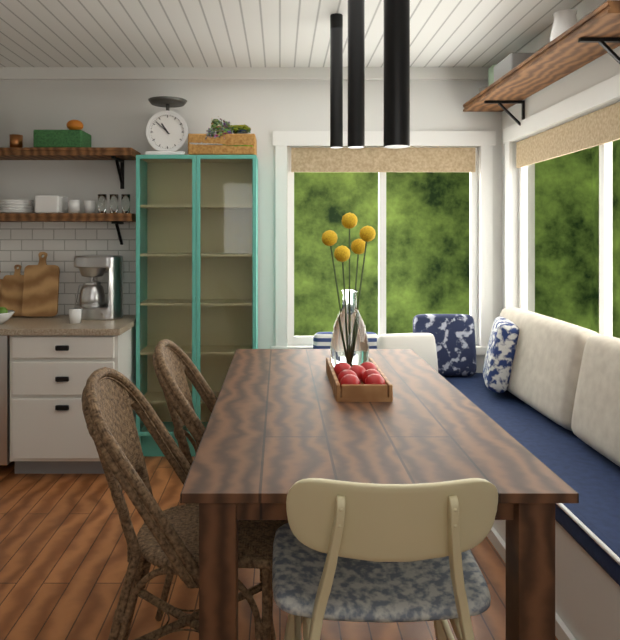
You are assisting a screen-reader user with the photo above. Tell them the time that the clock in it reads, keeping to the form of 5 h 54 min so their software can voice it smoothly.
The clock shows 10 h 52 min
